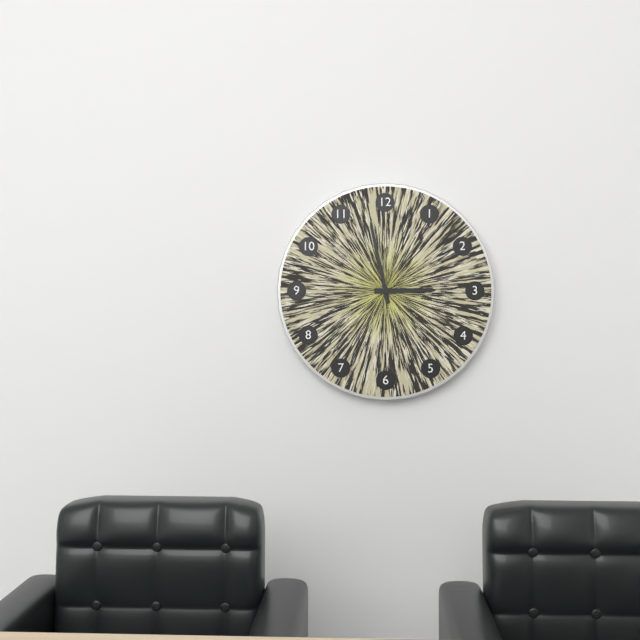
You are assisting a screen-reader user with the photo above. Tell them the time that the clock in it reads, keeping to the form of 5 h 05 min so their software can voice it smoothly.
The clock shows 2 h 58 min
